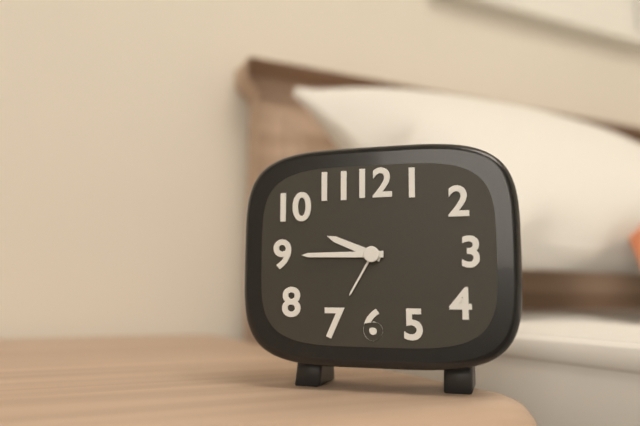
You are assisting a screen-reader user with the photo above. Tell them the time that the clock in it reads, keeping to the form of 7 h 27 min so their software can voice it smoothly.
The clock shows 9 h 45 min
